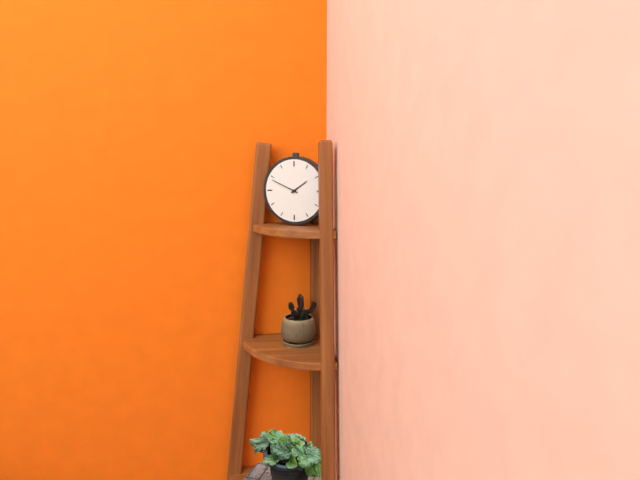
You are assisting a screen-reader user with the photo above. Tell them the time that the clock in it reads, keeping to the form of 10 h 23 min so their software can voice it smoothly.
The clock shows 1 h 49 min
